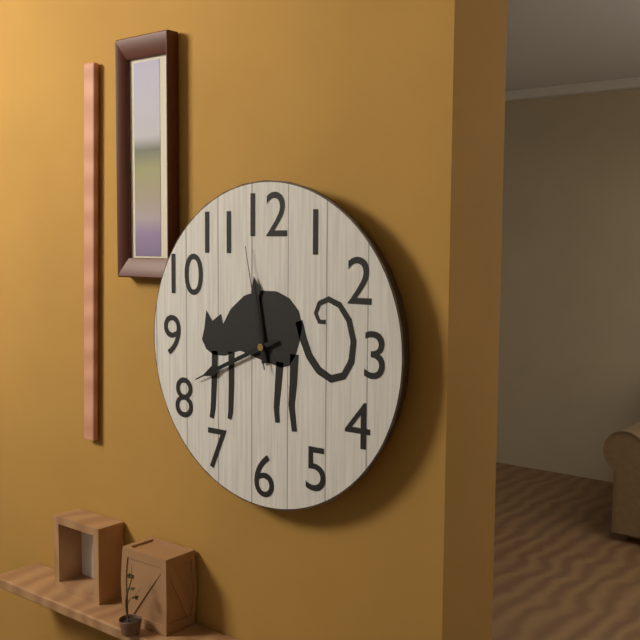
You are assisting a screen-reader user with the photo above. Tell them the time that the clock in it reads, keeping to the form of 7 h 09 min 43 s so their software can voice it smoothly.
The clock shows 11 h 41 min 58 s
